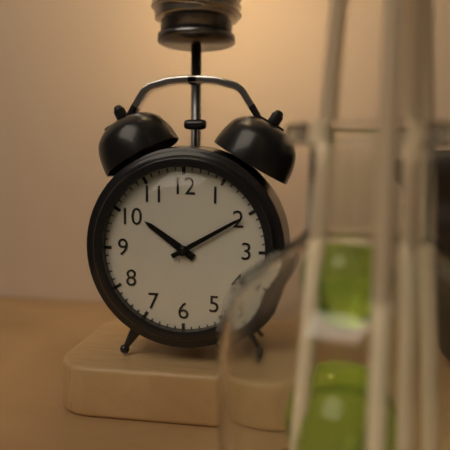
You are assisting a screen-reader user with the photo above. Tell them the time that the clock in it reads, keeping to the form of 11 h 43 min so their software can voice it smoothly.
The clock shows 10 h 10 min
